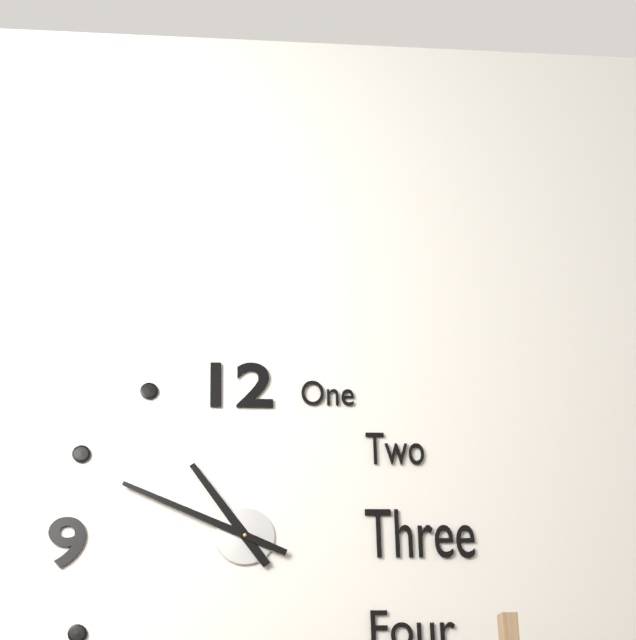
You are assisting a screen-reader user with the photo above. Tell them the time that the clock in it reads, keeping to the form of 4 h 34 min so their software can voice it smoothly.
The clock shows 10 h 49 min
